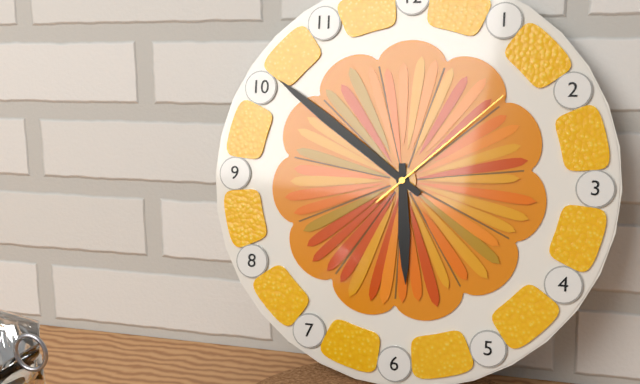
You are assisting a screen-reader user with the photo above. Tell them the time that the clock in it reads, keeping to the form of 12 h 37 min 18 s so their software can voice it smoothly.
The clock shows 5 h 51 min 08 s
